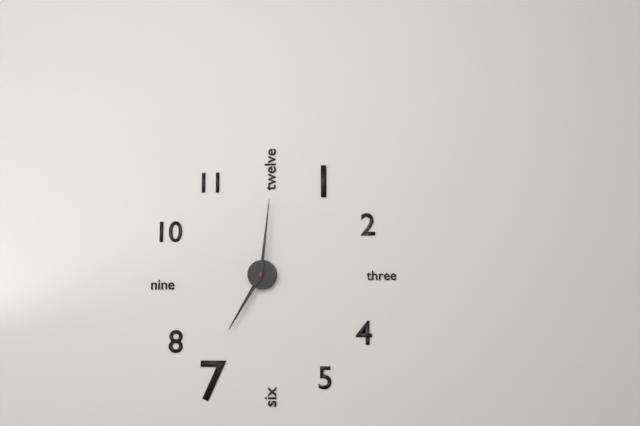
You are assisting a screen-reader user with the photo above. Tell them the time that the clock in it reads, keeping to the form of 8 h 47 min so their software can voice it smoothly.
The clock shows 7 h 01 min
